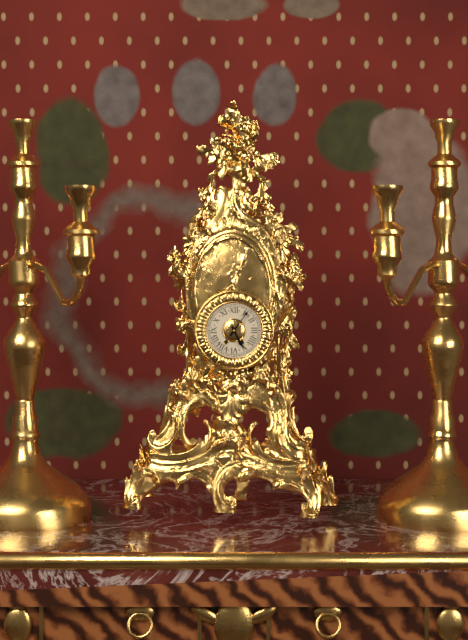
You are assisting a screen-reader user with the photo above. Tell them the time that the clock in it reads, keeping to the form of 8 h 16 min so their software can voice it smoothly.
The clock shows 5 h 06 min
